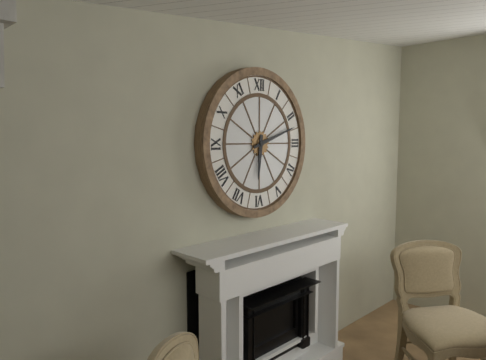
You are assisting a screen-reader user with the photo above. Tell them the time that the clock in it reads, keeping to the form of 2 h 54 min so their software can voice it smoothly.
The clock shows 6 h 12 min
